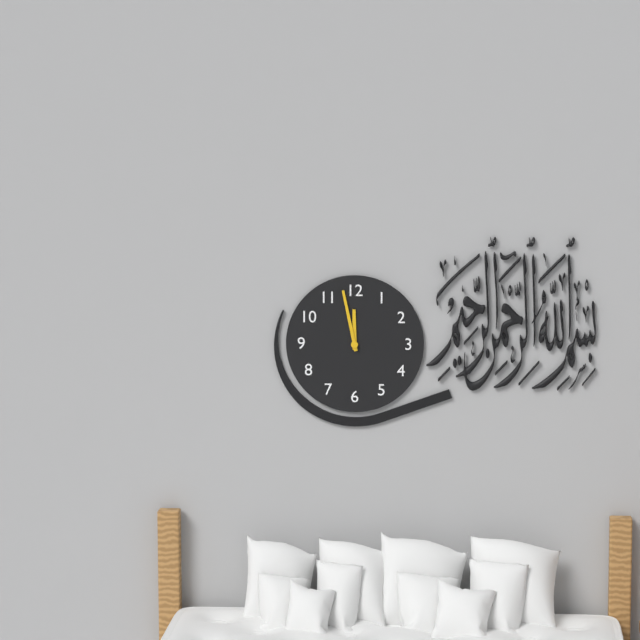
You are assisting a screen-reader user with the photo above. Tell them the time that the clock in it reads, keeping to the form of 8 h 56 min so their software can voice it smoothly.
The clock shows 11 h 58 min
